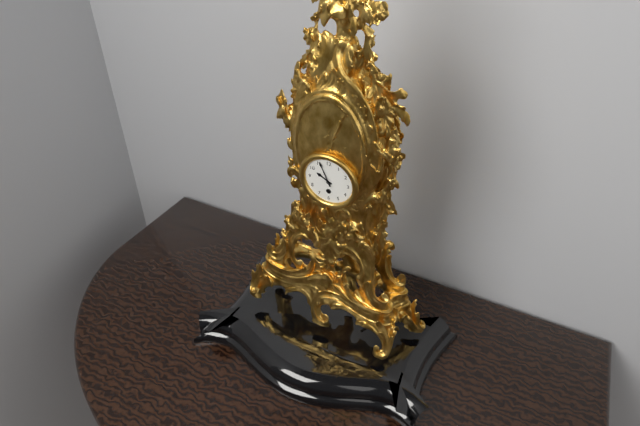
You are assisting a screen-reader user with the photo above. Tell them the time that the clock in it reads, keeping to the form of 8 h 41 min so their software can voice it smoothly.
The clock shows 9 h 56 min
